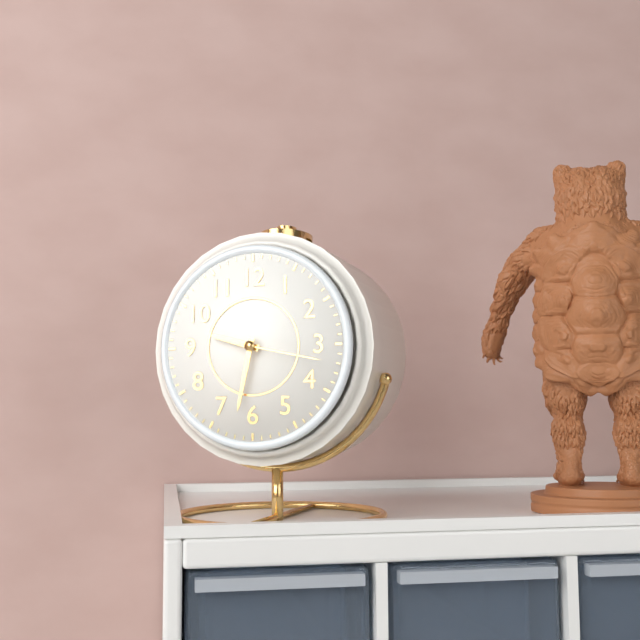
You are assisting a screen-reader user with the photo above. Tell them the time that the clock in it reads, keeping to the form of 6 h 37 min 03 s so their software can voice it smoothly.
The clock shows 9 h 32 min 17 s
